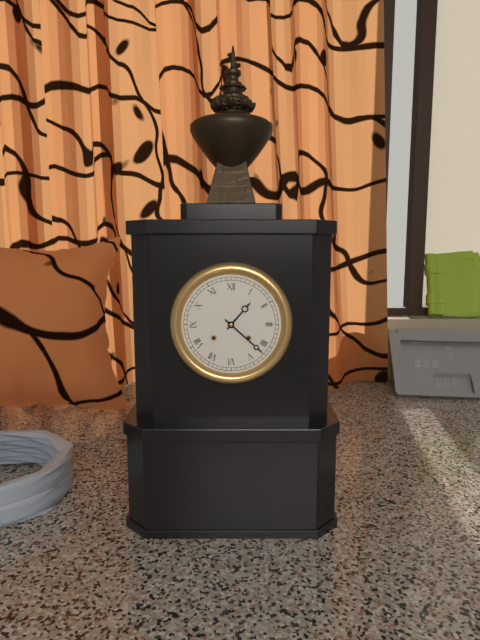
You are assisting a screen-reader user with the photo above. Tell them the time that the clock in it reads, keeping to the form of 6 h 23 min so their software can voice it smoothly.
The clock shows 1 h 22 min
